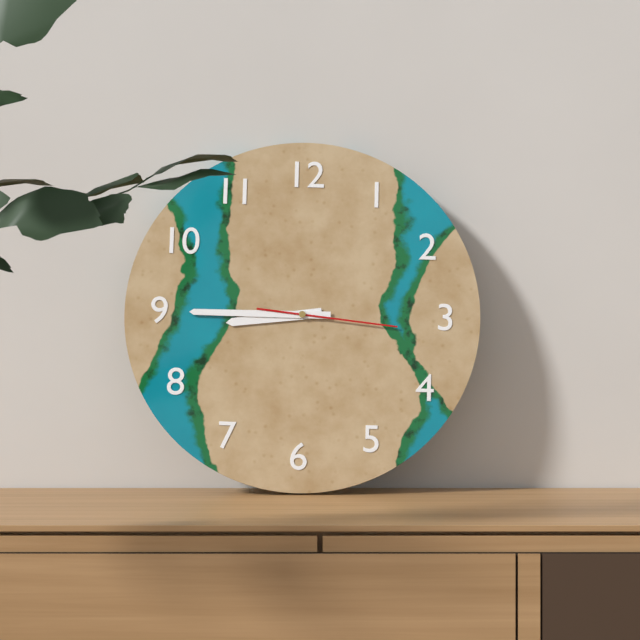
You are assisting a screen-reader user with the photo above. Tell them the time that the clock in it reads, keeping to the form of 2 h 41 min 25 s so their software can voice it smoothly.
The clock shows 8 h 45 min 16 s
